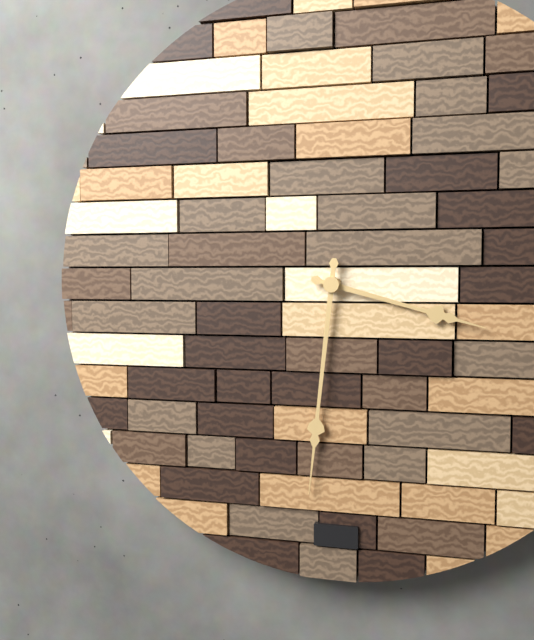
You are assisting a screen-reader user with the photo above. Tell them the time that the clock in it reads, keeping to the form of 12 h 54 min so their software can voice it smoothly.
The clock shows 3 h 31 min
